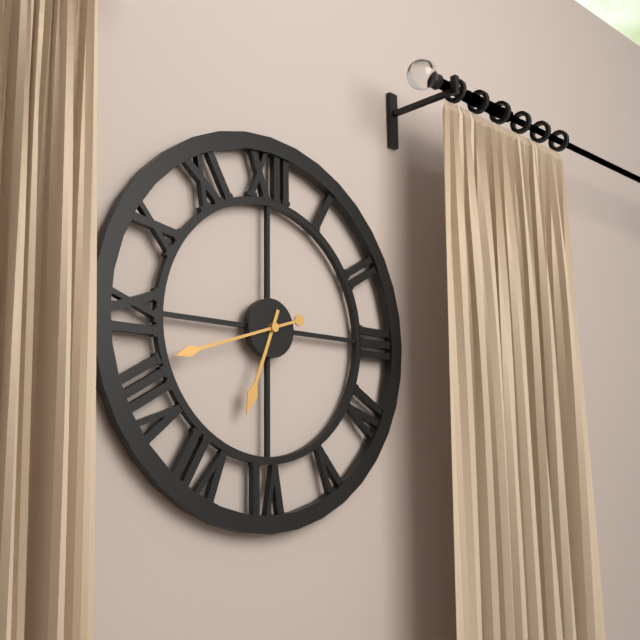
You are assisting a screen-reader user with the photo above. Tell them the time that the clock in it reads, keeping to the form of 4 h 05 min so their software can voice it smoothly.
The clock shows 6 h 42 min
